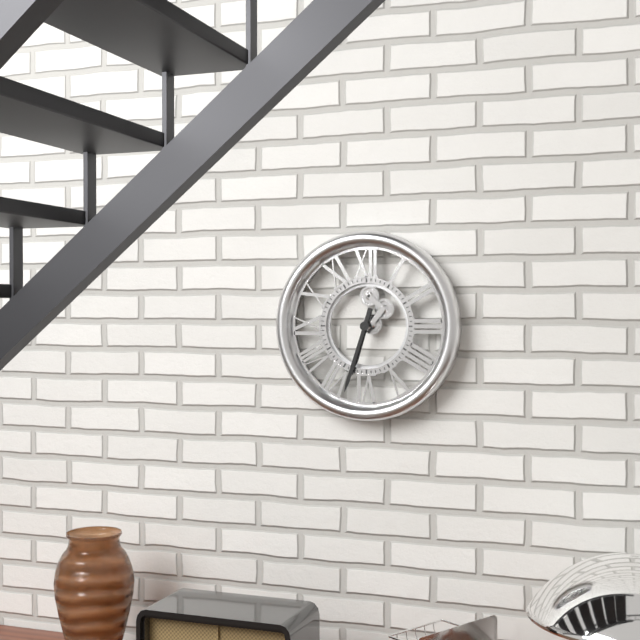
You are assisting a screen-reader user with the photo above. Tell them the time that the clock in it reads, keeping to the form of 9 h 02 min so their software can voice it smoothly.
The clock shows 6 h 33 min
